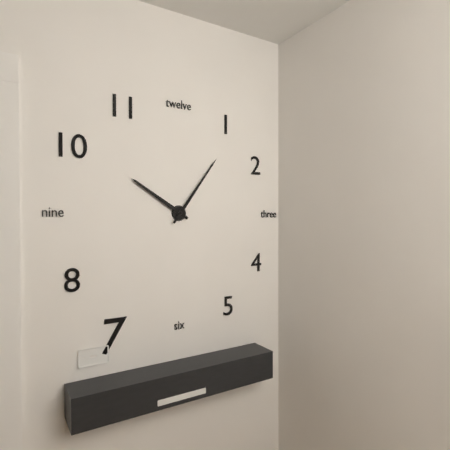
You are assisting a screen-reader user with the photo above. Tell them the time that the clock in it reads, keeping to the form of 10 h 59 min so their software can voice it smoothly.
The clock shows 10 h 06 min
